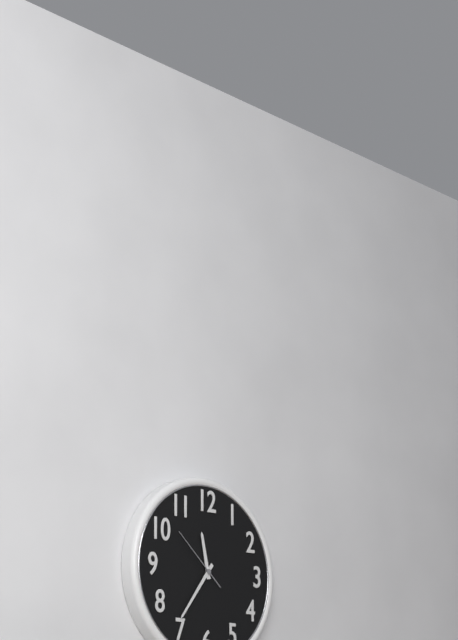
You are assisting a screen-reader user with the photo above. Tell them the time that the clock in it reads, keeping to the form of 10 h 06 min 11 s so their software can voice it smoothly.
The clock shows 11 h 36 min 52 s
